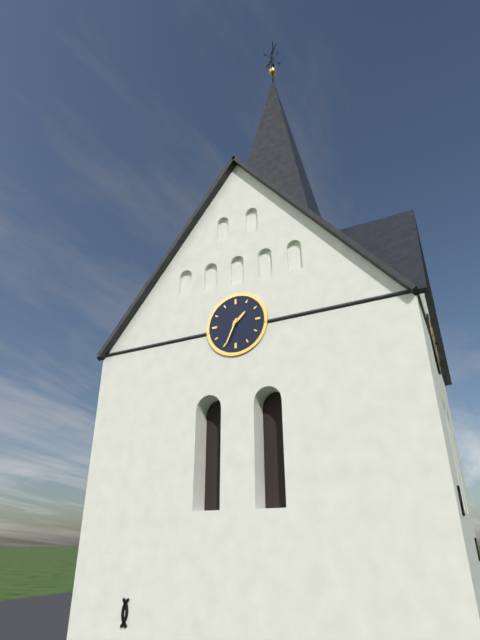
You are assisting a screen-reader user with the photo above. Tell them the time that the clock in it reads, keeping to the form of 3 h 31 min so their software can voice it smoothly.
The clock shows 1 h 34 min
